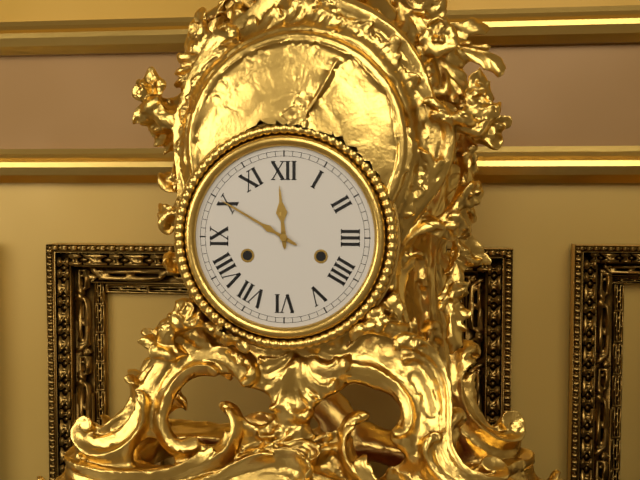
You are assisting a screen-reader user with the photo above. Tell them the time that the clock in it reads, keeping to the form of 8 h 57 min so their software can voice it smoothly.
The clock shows 11 h 50 min
